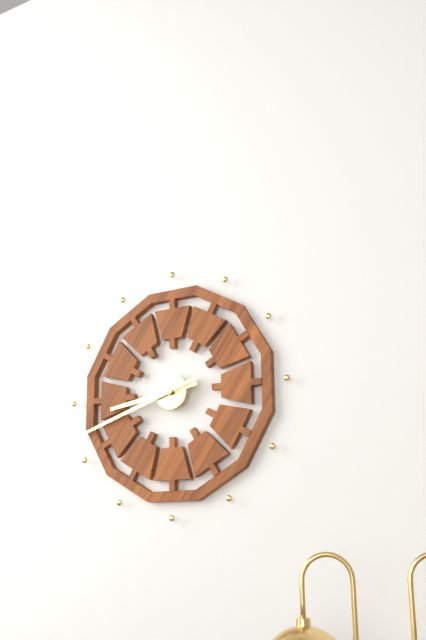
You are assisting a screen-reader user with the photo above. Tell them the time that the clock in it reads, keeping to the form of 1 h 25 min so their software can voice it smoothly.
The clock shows 8 h 42 min
